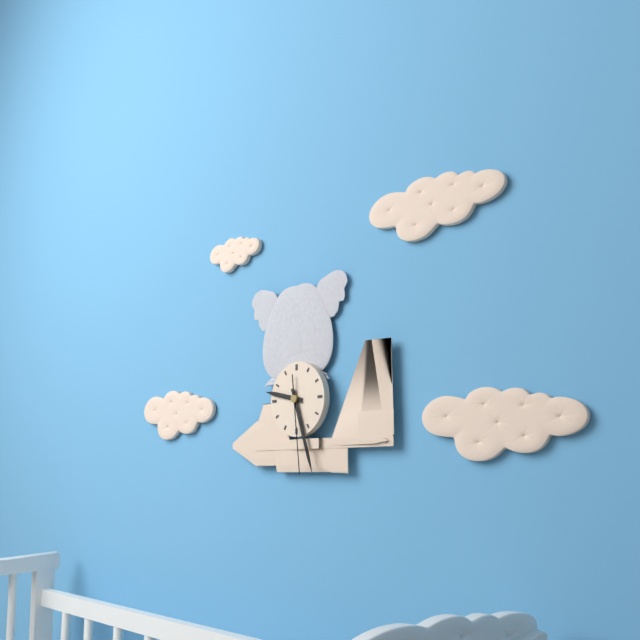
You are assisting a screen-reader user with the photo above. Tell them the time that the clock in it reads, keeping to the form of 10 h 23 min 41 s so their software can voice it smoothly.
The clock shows 9 h 27 min 29 s
